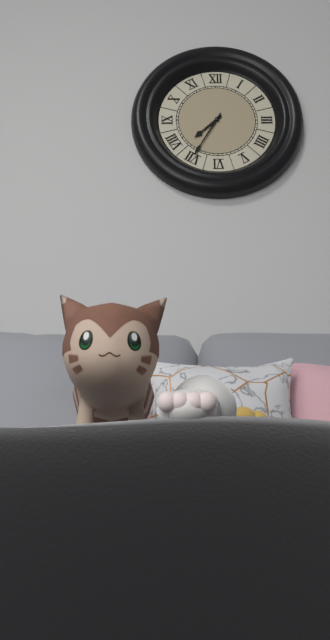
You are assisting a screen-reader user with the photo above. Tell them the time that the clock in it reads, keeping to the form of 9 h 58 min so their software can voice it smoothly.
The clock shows 7 h 35 min
